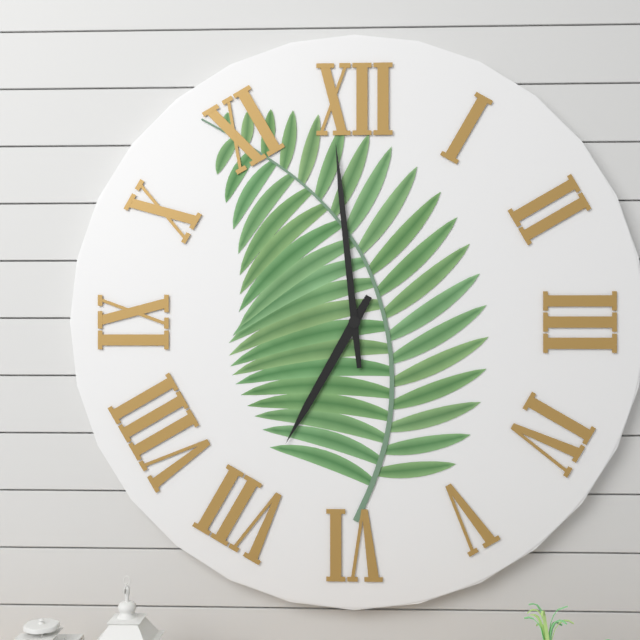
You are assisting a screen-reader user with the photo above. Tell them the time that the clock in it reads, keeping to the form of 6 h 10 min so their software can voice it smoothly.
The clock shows 6 h 59 min
